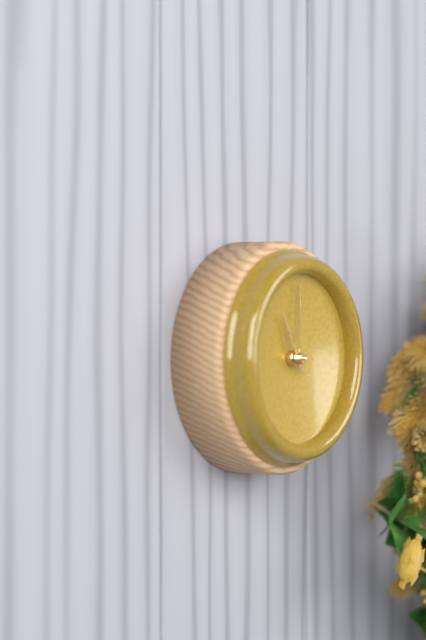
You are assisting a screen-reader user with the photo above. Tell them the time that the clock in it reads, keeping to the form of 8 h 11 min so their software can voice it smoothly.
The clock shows 11 h 00 min
